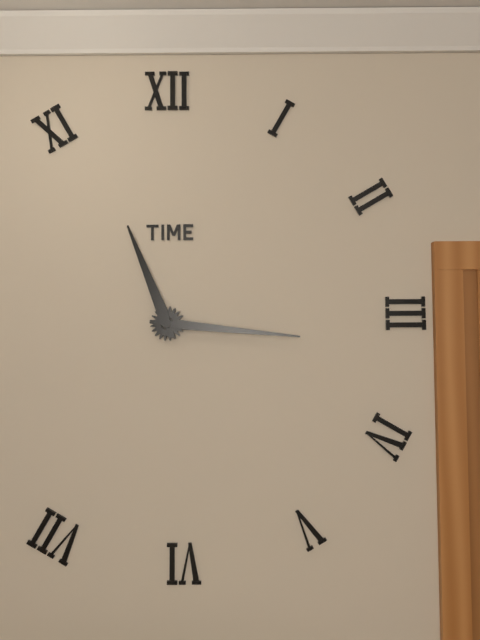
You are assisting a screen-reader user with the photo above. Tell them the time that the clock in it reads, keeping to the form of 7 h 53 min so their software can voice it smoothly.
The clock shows 11 h 16 min
